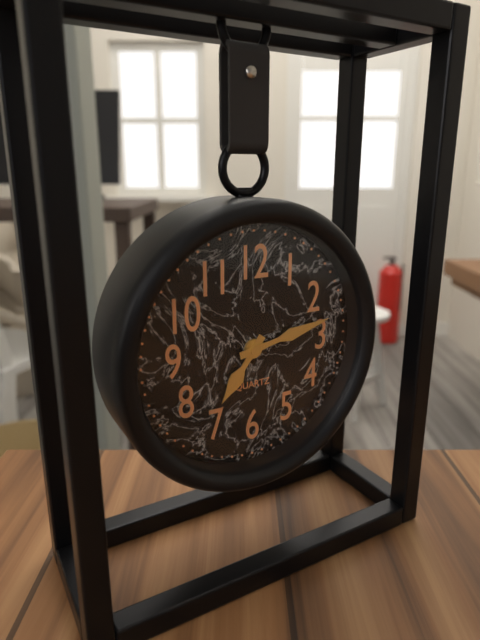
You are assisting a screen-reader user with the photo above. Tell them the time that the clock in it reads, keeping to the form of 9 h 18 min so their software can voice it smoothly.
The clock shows 7 h 13 min
